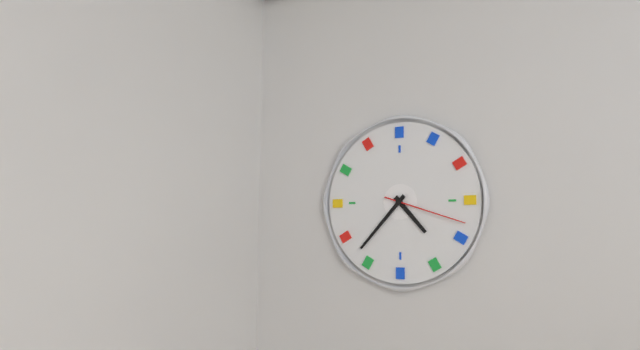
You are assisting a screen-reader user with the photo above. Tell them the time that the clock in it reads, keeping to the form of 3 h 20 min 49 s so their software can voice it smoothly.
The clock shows 4 h 37 min 18 s
